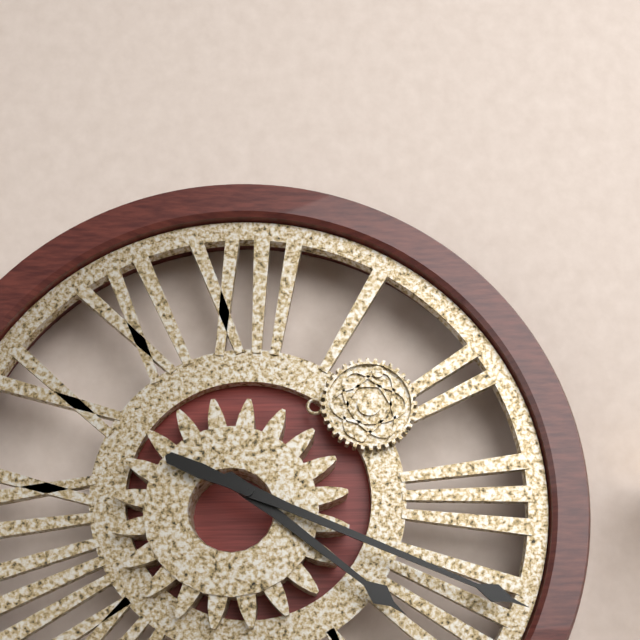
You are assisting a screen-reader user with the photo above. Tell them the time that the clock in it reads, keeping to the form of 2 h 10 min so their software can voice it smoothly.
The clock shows 4 h 19 min
